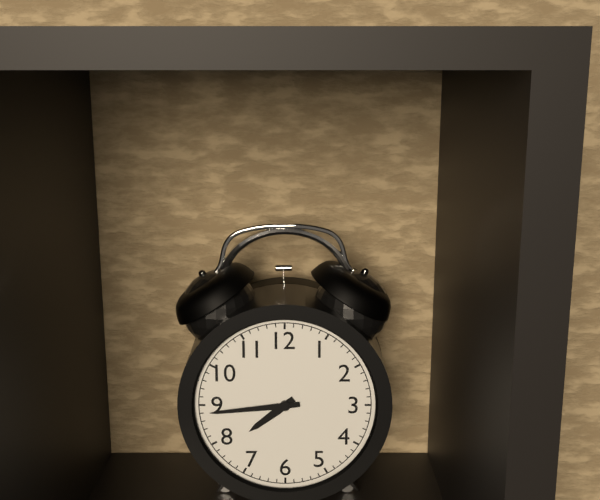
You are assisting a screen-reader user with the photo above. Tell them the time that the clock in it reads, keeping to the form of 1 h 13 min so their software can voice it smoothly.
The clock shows 7 h 44 min
